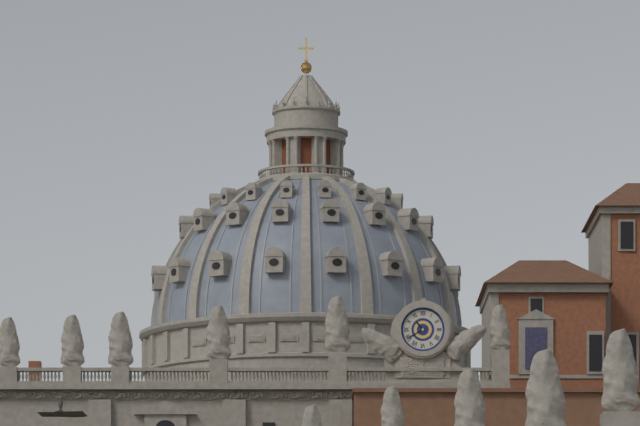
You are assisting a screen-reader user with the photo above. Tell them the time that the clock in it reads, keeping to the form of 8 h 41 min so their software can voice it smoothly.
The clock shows 10 h 40 min
